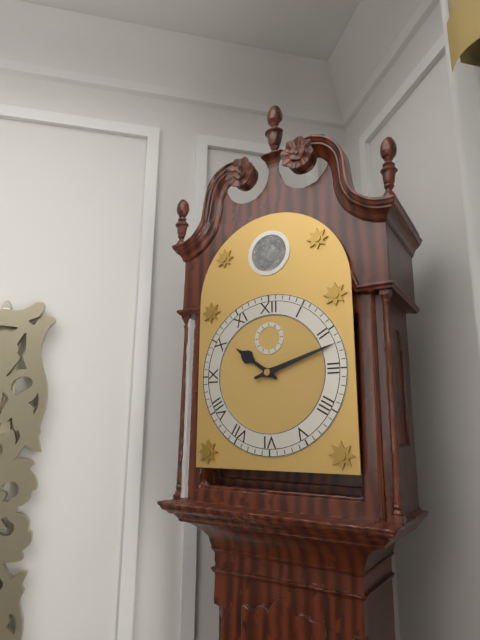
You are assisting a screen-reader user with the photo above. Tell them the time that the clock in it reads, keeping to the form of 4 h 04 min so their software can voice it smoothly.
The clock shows 10 h 12 min
